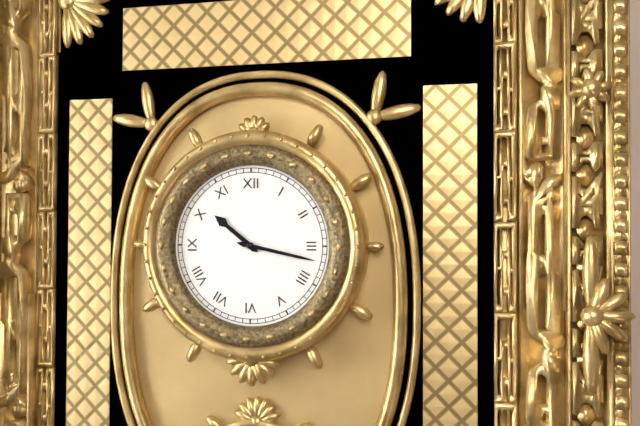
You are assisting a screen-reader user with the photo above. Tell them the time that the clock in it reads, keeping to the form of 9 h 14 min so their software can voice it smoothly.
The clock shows 10 h 17 min
